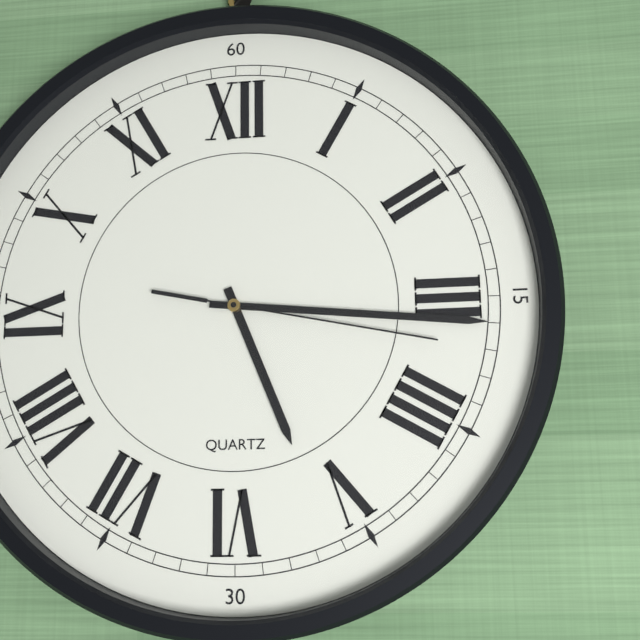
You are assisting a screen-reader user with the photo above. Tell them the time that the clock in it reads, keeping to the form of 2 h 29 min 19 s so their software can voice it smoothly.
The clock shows 5 h 16 min 17 s
